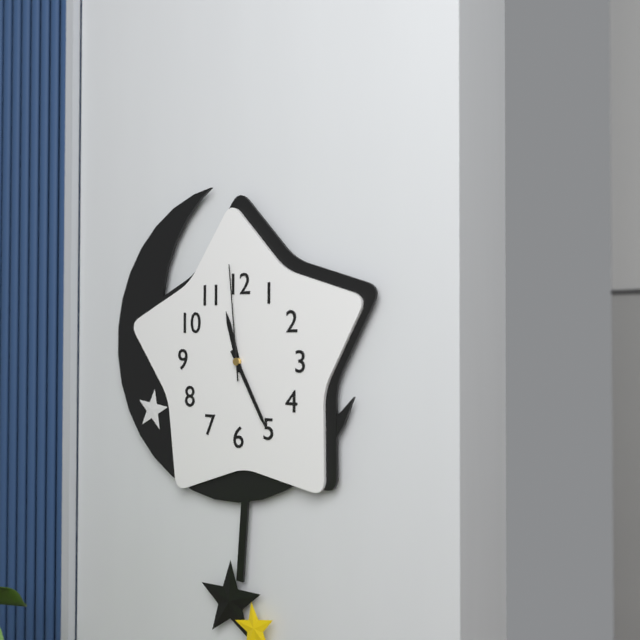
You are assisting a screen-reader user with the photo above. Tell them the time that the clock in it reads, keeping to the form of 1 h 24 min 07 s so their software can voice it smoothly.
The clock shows 11 h 25 min 59 s
